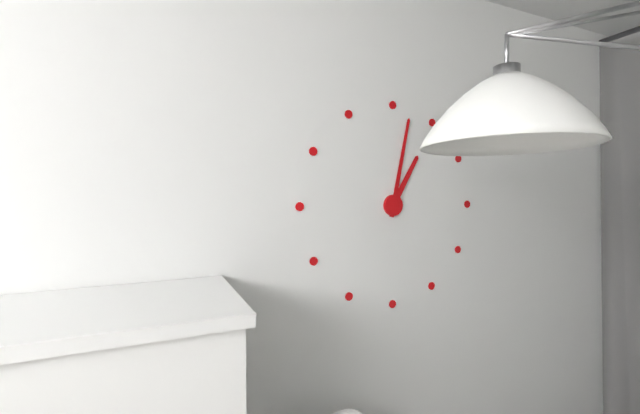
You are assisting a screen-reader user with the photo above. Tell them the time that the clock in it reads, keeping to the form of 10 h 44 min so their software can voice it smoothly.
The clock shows 1 h 02 min
